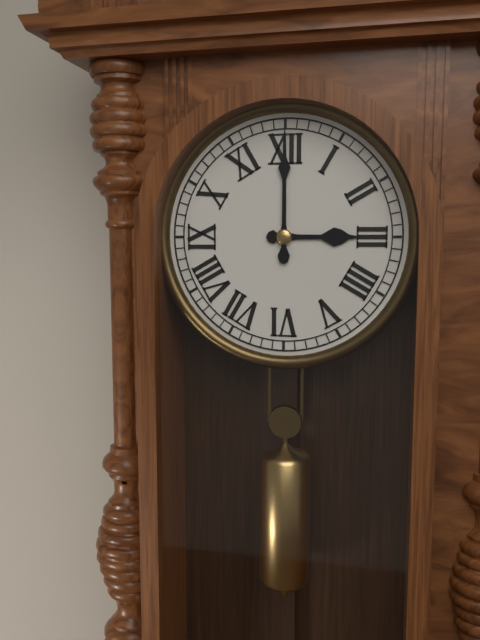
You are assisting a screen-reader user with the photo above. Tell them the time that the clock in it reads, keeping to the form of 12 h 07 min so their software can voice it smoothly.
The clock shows 3 h 00 min
